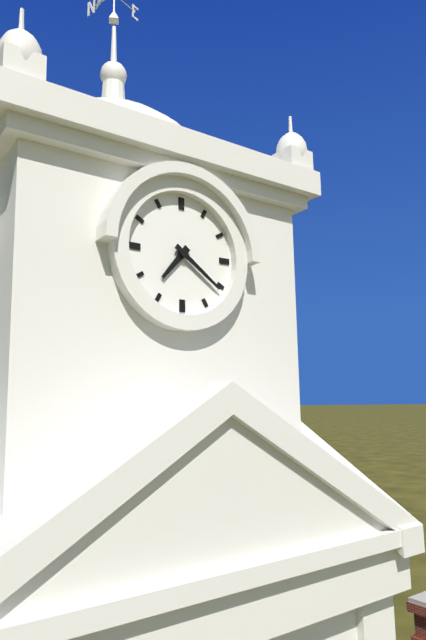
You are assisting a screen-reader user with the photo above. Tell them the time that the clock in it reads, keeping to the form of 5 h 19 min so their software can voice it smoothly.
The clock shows 7 h 21 min
